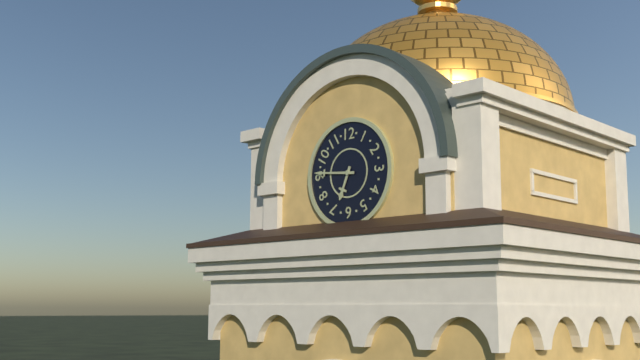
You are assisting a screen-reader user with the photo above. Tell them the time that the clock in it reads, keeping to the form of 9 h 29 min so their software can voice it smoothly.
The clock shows 6 h 46 min
